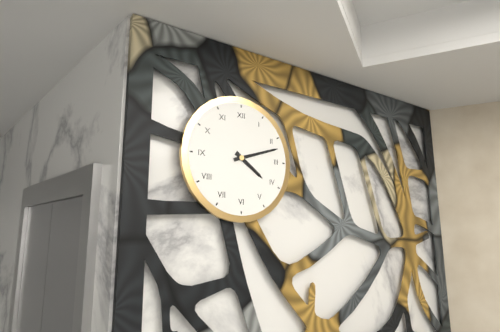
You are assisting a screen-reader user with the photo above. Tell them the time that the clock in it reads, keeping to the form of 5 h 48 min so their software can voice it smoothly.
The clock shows 4 h 12 min
